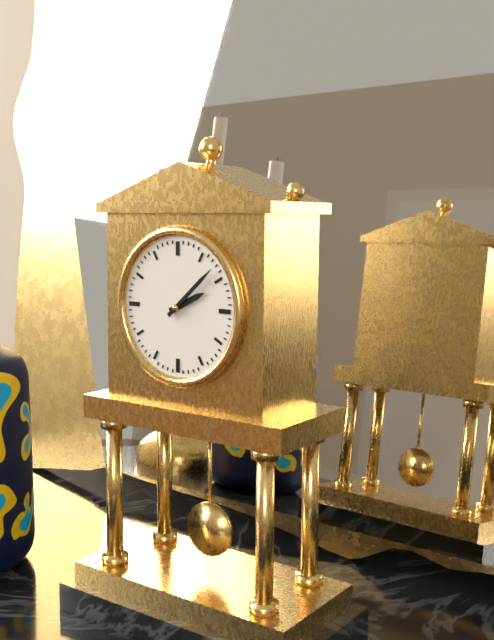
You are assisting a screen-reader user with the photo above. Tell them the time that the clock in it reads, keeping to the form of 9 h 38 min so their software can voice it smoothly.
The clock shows 2 h 08 min
